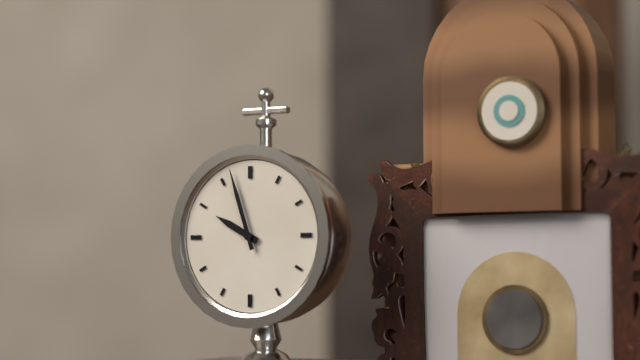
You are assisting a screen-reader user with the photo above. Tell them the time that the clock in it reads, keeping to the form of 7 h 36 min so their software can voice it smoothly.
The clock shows 9 h 57 min
